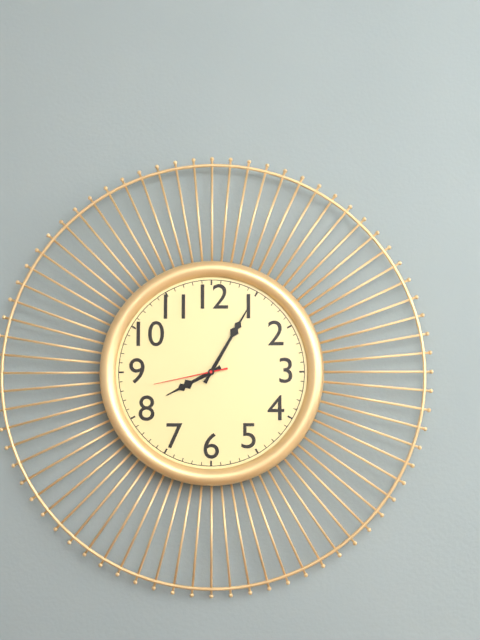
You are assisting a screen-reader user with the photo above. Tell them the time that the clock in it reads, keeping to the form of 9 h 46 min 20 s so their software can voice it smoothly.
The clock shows 8 h 05 min 43 s
